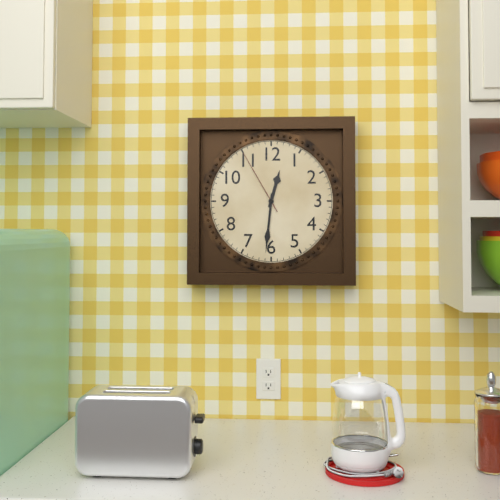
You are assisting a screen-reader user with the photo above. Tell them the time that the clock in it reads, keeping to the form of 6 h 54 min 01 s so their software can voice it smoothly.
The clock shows 12 h 31 min 55 s
